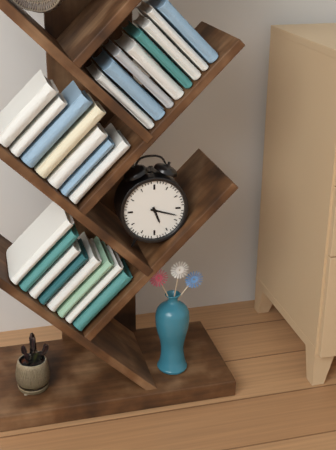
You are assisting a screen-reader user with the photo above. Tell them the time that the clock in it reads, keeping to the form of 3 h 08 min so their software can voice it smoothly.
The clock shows 5 h 18 min
